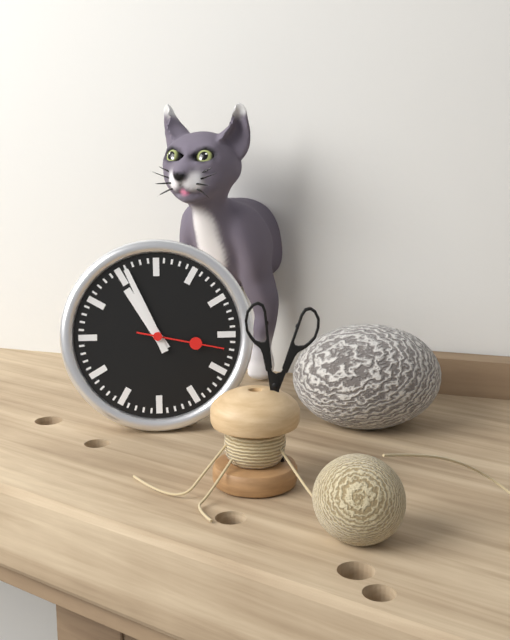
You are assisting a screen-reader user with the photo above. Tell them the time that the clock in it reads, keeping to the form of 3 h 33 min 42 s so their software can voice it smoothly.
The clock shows 10 h 56 min 17 s
